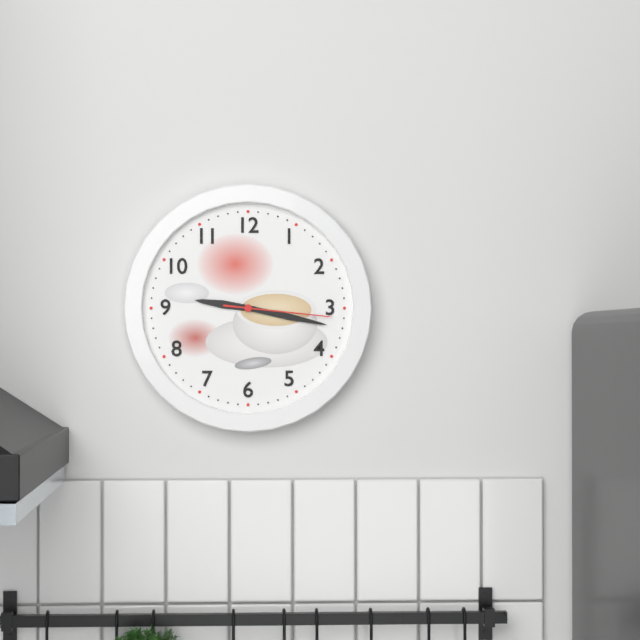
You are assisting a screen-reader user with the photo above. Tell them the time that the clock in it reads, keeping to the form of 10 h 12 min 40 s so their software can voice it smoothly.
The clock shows 9 h 17 min 16 s
